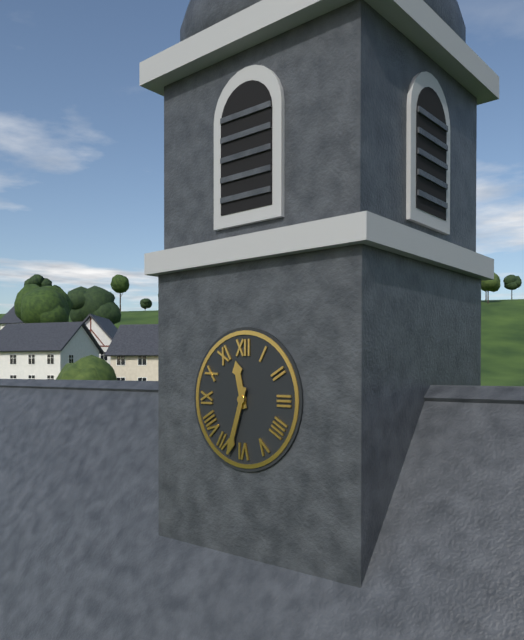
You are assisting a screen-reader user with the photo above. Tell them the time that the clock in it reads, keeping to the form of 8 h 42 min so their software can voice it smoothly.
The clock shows 11 h 33 min
